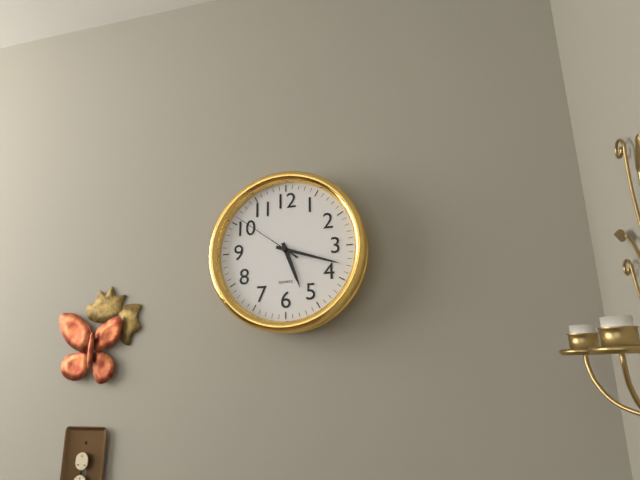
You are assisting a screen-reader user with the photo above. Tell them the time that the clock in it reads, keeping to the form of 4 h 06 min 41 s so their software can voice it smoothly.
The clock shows 5 h 18 min 51 s
